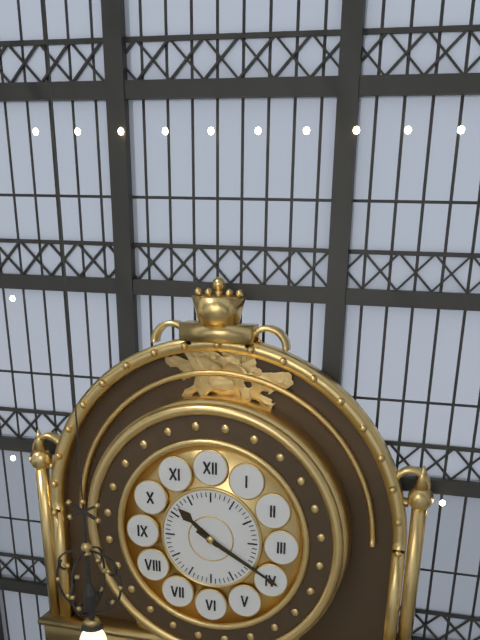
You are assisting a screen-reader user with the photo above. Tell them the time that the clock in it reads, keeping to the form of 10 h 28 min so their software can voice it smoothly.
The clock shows 10 h 20 min
